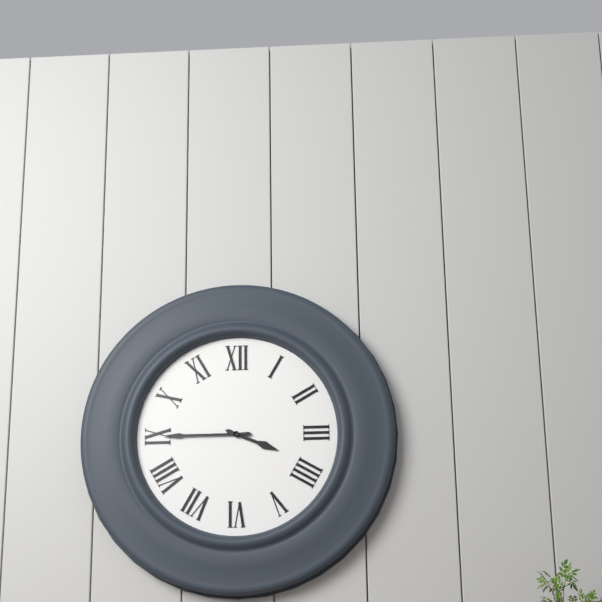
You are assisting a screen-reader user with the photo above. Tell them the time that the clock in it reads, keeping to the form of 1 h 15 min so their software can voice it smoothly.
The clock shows 3 h 45 min
